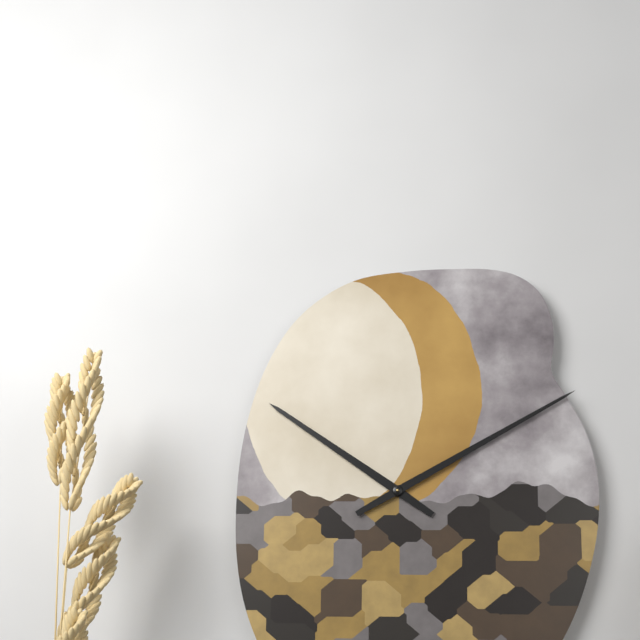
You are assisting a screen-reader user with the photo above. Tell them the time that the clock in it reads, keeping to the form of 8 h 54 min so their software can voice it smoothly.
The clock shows 10 h 10 min
